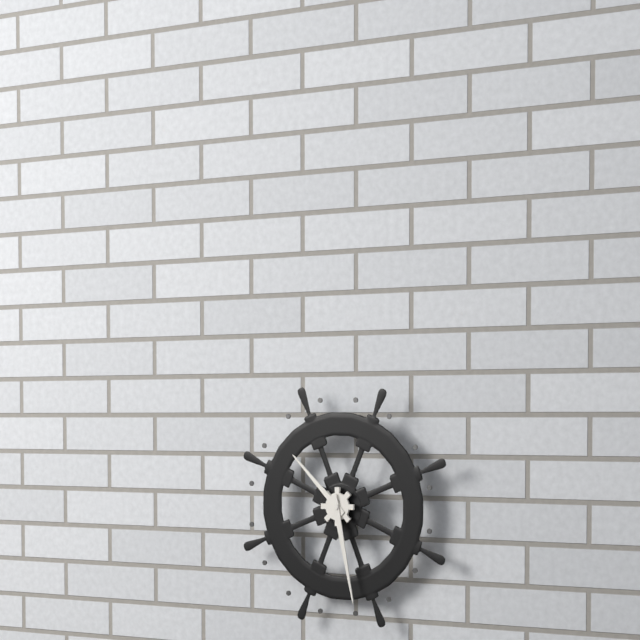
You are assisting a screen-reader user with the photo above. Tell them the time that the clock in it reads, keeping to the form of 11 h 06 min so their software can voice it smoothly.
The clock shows 10 h 28 min
